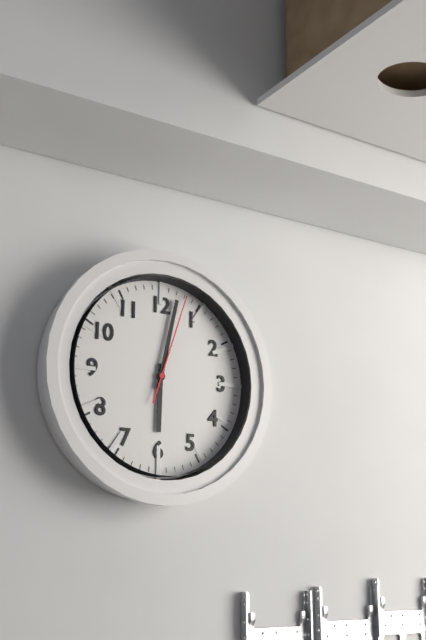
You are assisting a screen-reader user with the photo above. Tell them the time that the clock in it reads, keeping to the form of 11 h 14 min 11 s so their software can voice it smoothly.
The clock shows 6 h 02 min 03 s
